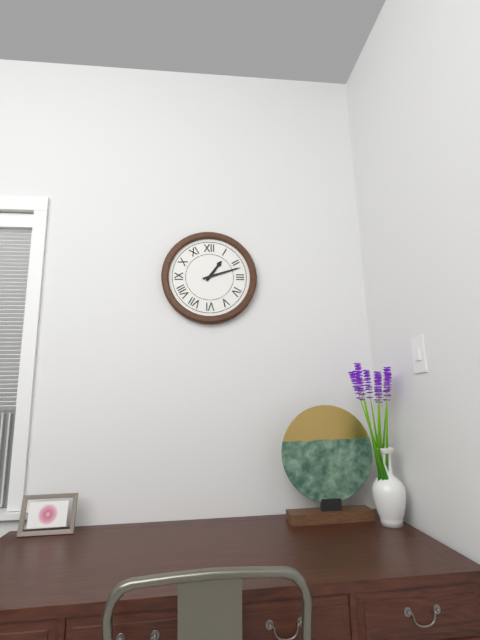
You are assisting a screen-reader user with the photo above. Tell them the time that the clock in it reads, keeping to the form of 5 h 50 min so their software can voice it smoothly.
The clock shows 1 h 12 min
